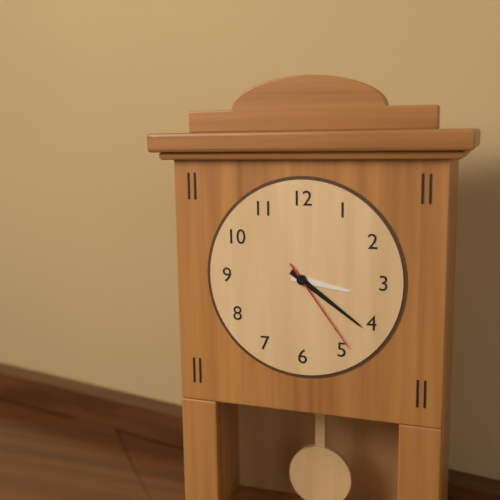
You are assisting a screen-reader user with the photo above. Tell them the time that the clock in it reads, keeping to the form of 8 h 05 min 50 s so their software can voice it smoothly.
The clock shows 3 h 21 min 24 s
